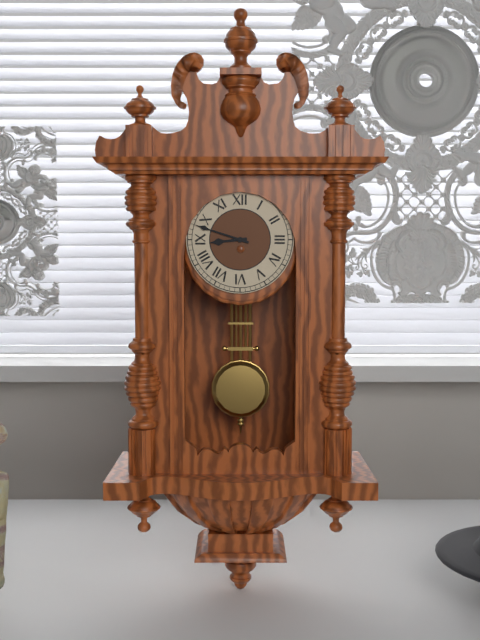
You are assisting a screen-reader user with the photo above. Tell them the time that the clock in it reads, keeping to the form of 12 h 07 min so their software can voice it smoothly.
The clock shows 8 h 48 min
